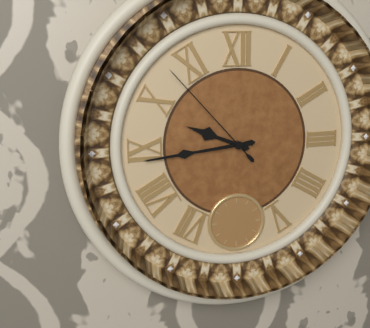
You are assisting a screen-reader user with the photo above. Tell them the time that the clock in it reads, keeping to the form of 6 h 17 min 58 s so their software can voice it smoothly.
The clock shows 9 h 44 min 53 s
